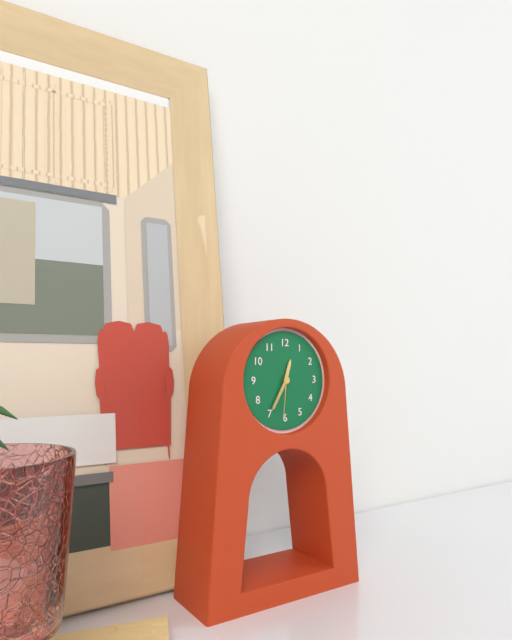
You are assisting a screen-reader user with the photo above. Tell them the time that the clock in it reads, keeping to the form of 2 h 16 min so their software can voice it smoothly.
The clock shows 12 h 35 min
